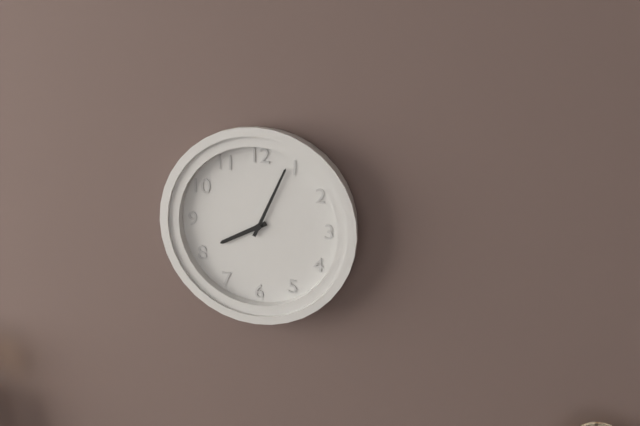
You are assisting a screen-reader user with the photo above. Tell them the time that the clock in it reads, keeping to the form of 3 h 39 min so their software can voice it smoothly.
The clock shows 8 h 04 min
